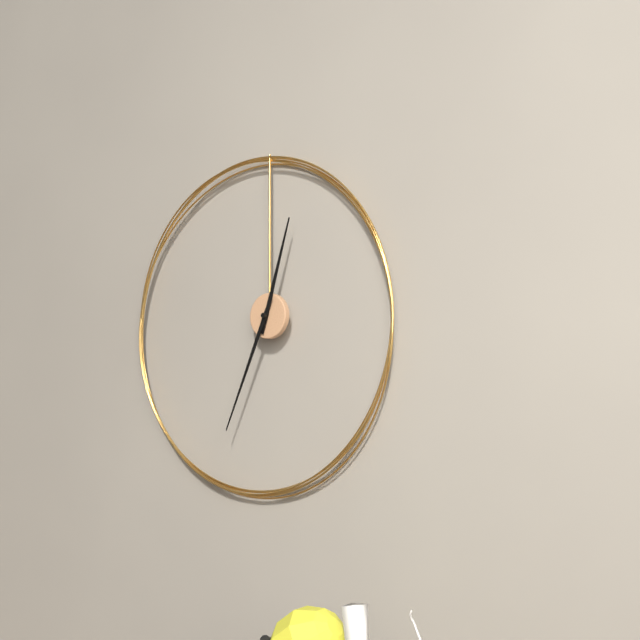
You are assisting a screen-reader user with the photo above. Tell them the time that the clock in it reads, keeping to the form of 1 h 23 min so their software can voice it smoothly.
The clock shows 12 h 34 min
